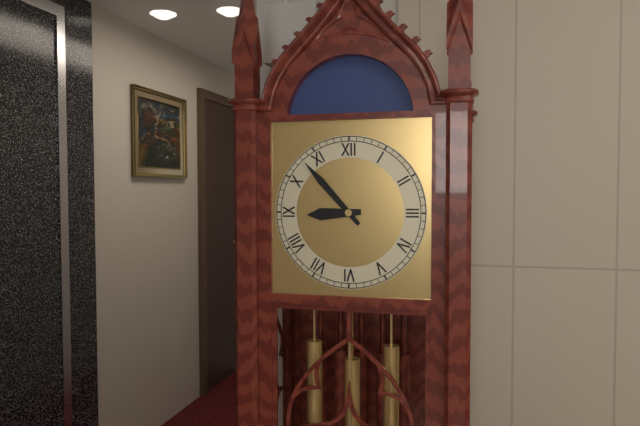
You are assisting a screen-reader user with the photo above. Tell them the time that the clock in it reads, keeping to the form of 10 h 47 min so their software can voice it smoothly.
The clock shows 8 h 53 min
